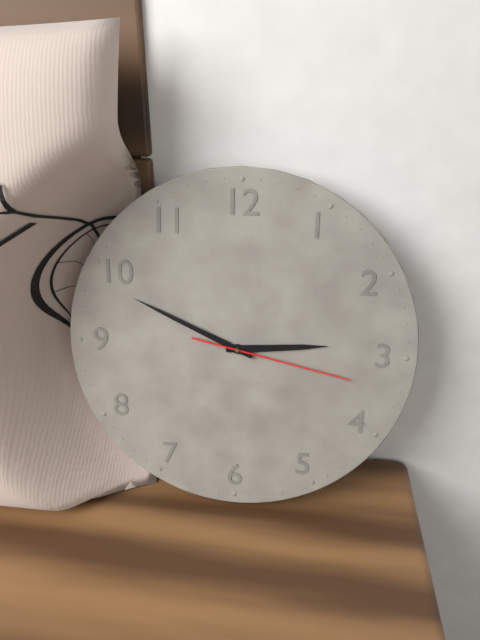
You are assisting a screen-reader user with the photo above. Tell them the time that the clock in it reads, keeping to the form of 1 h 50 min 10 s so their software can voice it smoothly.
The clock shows 2 h 49 min 17 s
